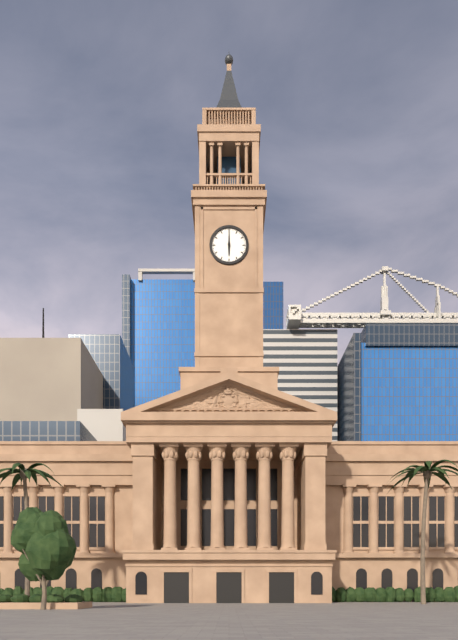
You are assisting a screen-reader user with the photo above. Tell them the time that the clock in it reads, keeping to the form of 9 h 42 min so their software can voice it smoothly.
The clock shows 6 h 00 min
